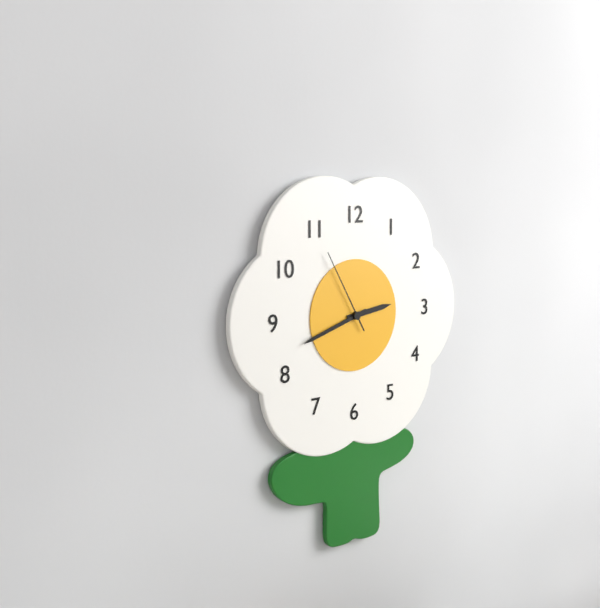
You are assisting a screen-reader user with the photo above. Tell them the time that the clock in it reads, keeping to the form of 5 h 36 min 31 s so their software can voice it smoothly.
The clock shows 2 h 42 min 55 s
